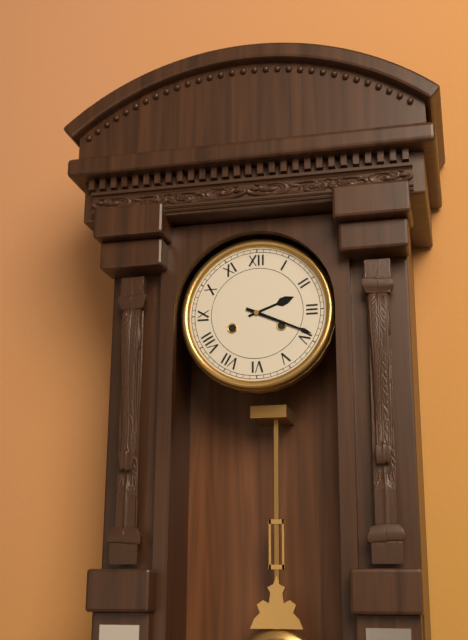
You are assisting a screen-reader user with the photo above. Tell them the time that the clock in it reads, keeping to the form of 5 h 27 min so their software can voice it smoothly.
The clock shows 2 h 19 min
